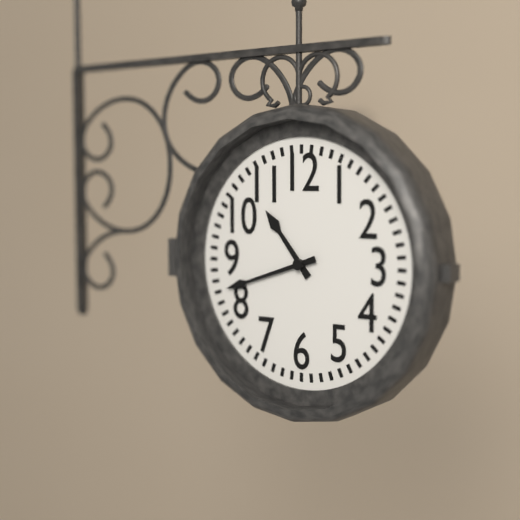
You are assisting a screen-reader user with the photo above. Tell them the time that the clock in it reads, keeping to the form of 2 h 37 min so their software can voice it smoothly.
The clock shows 10 h 42 min
